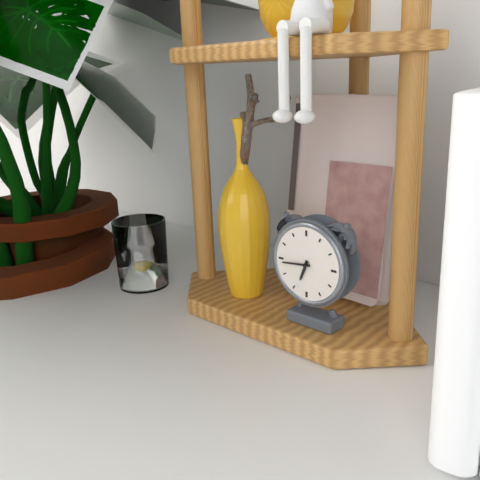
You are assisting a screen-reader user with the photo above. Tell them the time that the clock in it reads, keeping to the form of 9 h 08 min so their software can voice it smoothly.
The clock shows 6 h 44 min
